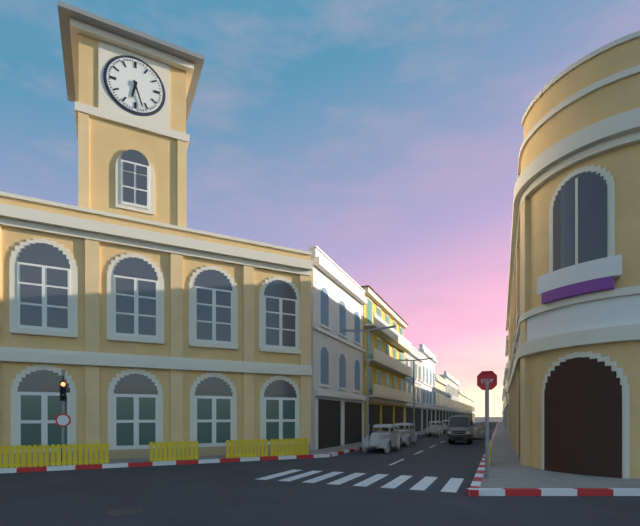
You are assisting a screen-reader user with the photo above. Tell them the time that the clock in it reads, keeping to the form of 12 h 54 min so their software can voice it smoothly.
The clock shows 6 h 27 min
